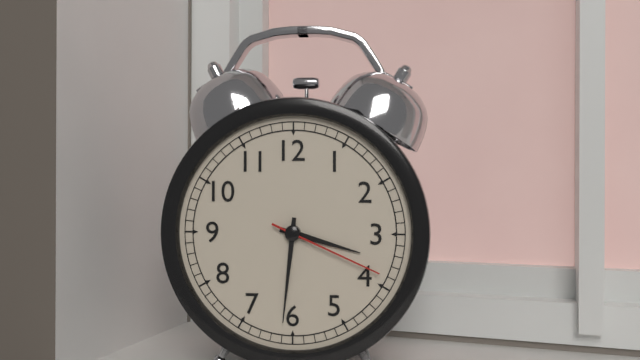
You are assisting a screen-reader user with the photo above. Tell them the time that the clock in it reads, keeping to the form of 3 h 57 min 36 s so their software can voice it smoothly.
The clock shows 3 h 31 min 19 s
